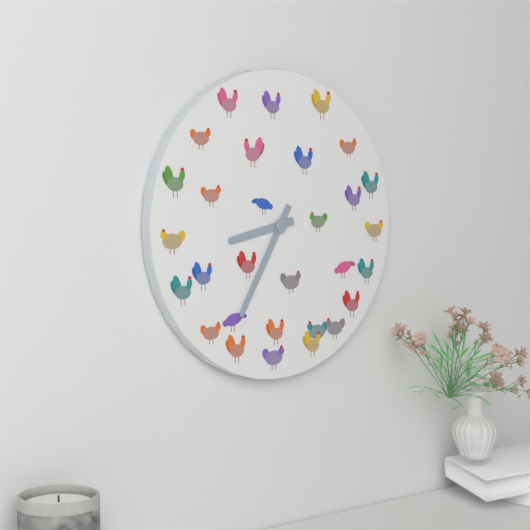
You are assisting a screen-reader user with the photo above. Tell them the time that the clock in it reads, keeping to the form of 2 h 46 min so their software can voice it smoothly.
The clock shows 8 h 35 min
